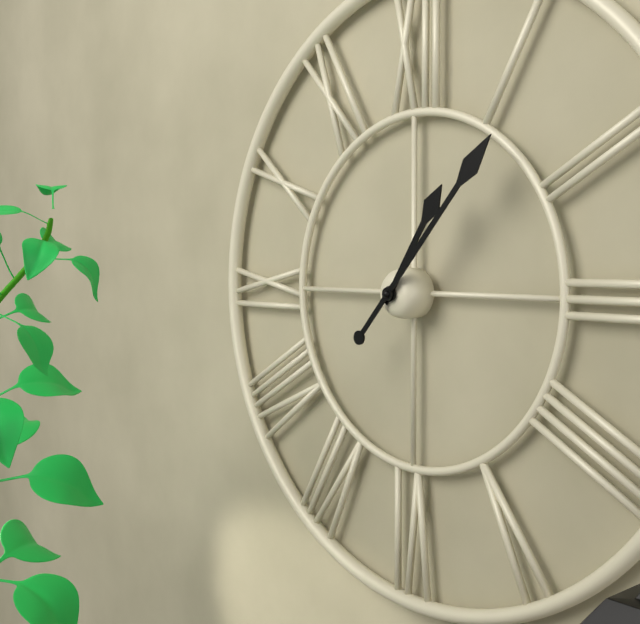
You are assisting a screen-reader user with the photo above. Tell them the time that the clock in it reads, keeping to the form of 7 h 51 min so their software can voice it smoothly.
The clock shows 1 h 07 min
